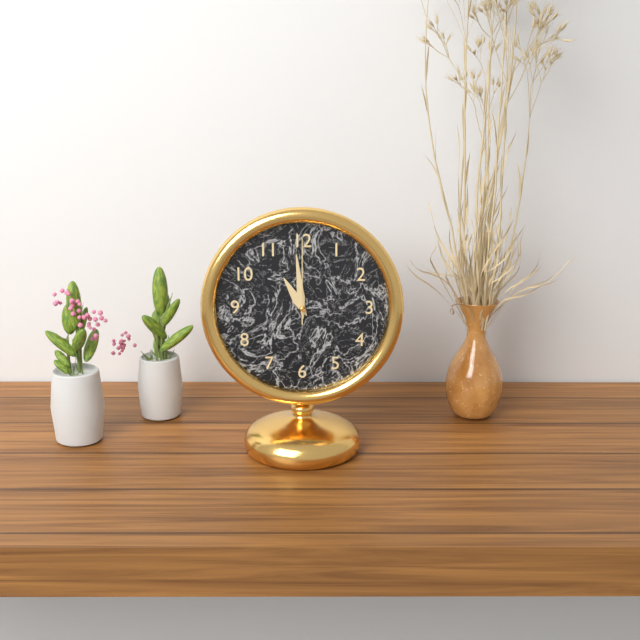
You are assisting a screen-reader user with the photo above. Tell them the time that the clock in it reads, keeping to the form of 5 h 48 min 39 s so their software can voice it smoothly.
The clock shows 10 h 59 min 00 s
